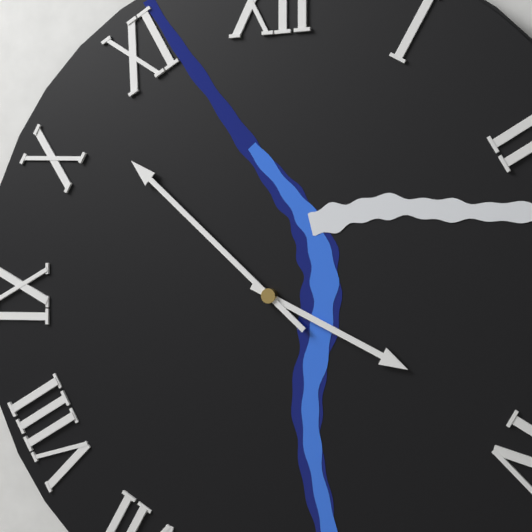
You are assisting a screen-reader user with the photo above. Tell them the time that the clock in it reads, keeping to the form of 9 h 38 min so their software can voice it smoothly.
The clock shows 3 h 52 min
